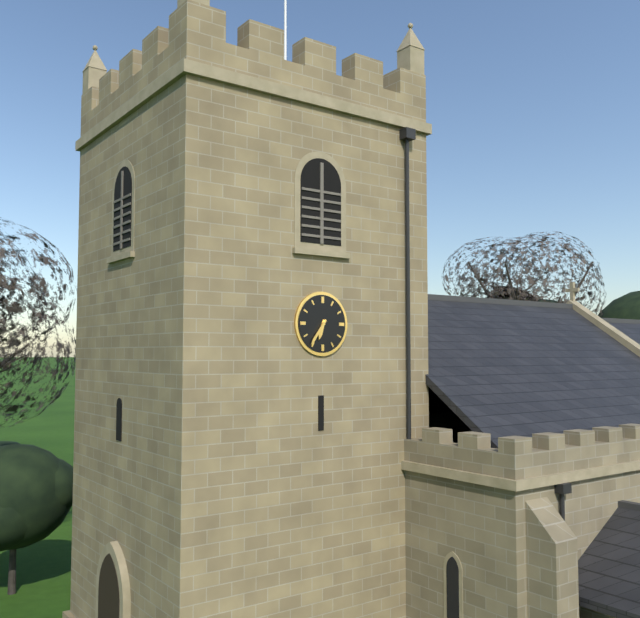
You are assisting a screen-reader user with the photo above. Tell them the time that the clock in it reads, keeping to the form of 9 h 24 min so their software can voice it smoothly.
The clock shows 6 h 36 min
